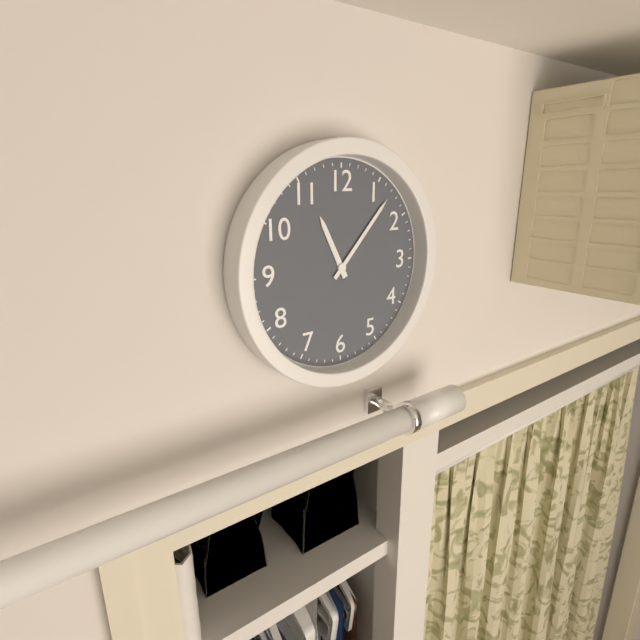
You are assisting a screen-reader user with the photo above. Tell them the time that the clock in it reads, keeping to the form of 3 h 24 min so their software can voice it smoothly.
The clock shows 11 h 07 min
